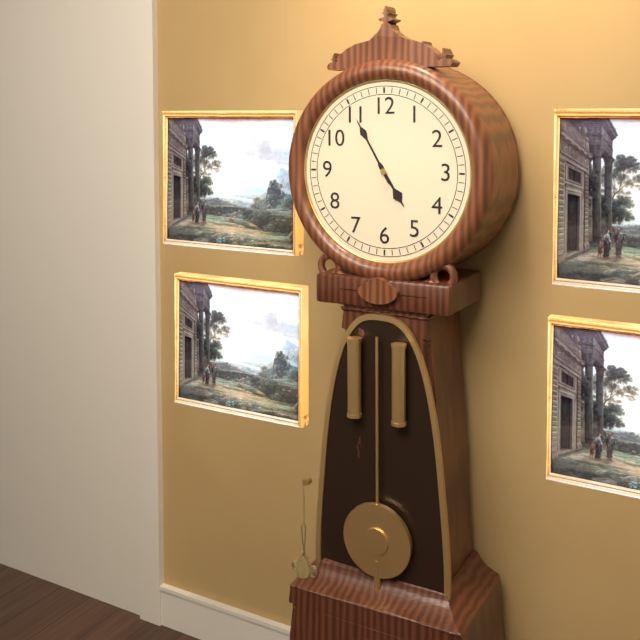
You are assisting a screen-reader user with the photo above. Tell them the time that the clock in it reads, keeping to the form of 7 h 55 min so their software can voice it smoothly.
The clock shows 4 h 55 min
